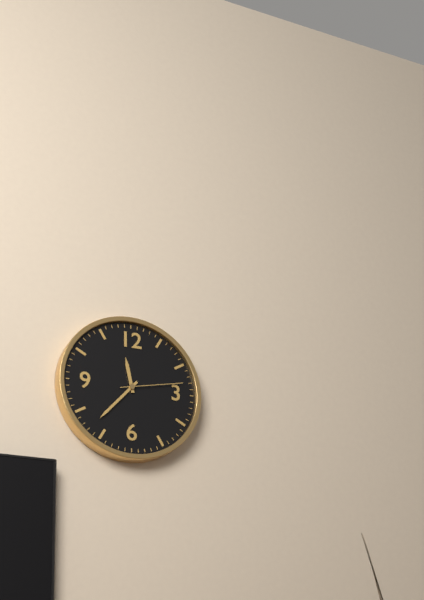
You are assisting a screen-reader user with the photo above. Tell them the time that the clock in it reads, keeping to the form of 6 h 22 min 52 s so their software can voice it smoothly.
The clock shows 11 h 37 min 13 s
